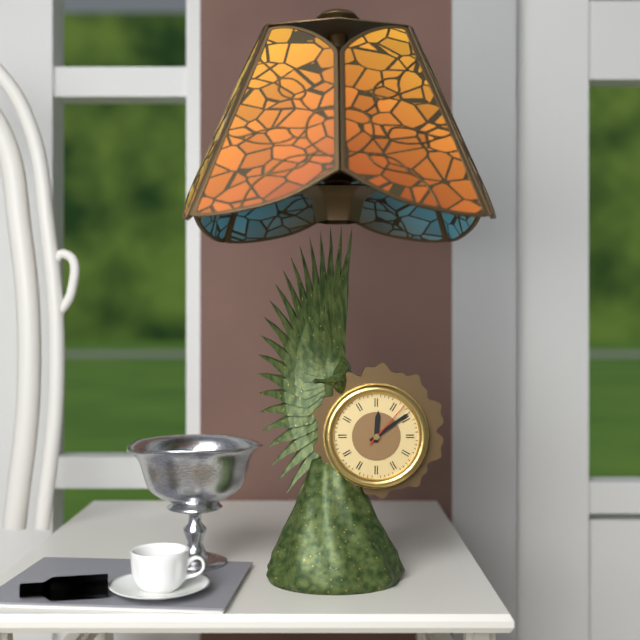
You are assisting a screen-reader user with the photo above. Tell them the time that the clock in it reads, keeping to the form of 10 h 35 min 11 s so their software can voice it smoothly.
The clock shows 12 h 09 min 07 s
